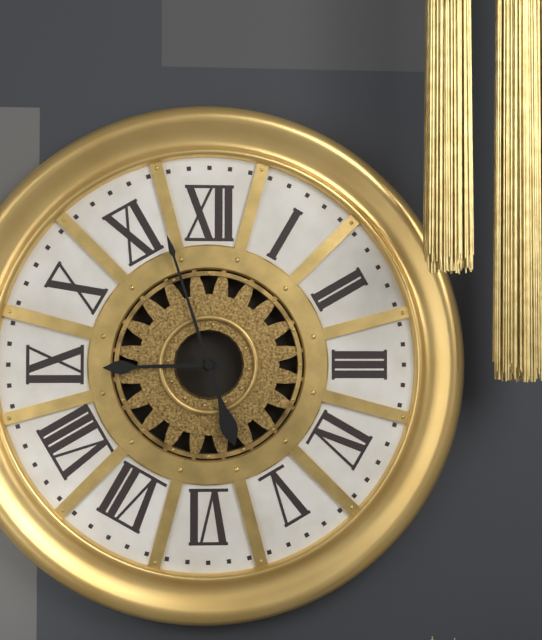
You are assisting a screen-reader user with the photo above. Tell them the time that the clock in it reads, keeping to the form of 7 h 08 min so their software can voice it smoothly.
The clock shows 8 h 57 min
